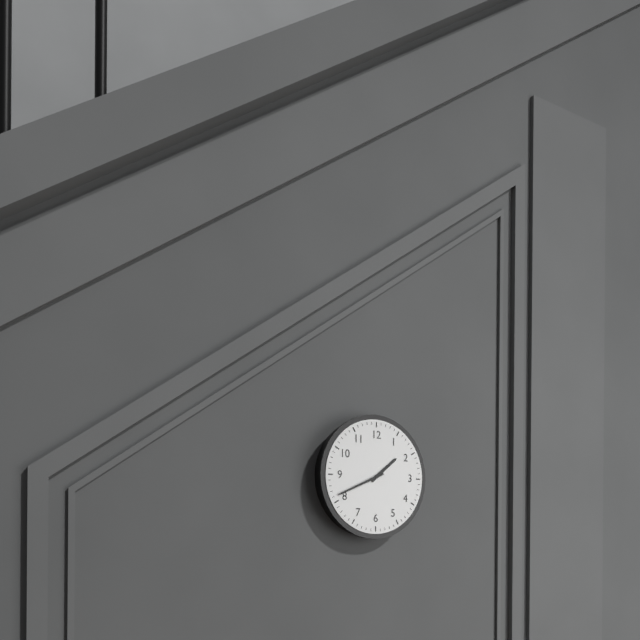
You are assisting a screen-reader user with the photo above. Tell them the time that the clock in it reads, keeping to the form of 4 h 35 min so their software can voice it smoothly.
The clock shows 1 h 41 min
